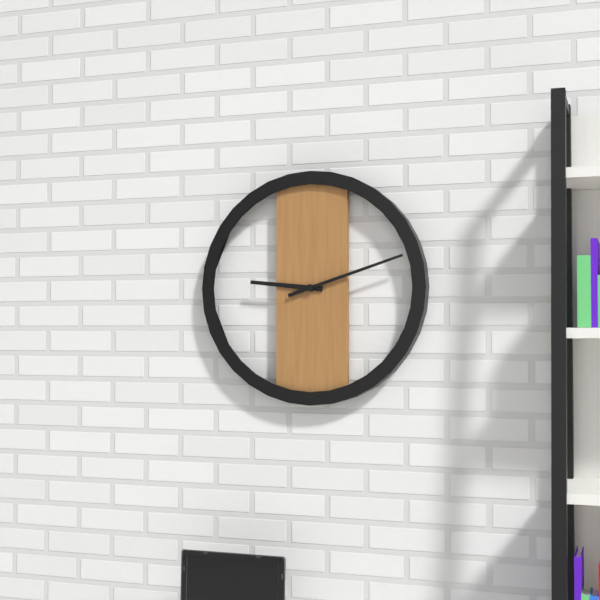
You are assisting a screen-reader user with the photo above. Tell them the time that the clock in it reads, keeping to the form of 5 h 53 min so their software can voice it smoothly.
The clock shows 9 h 12 min
